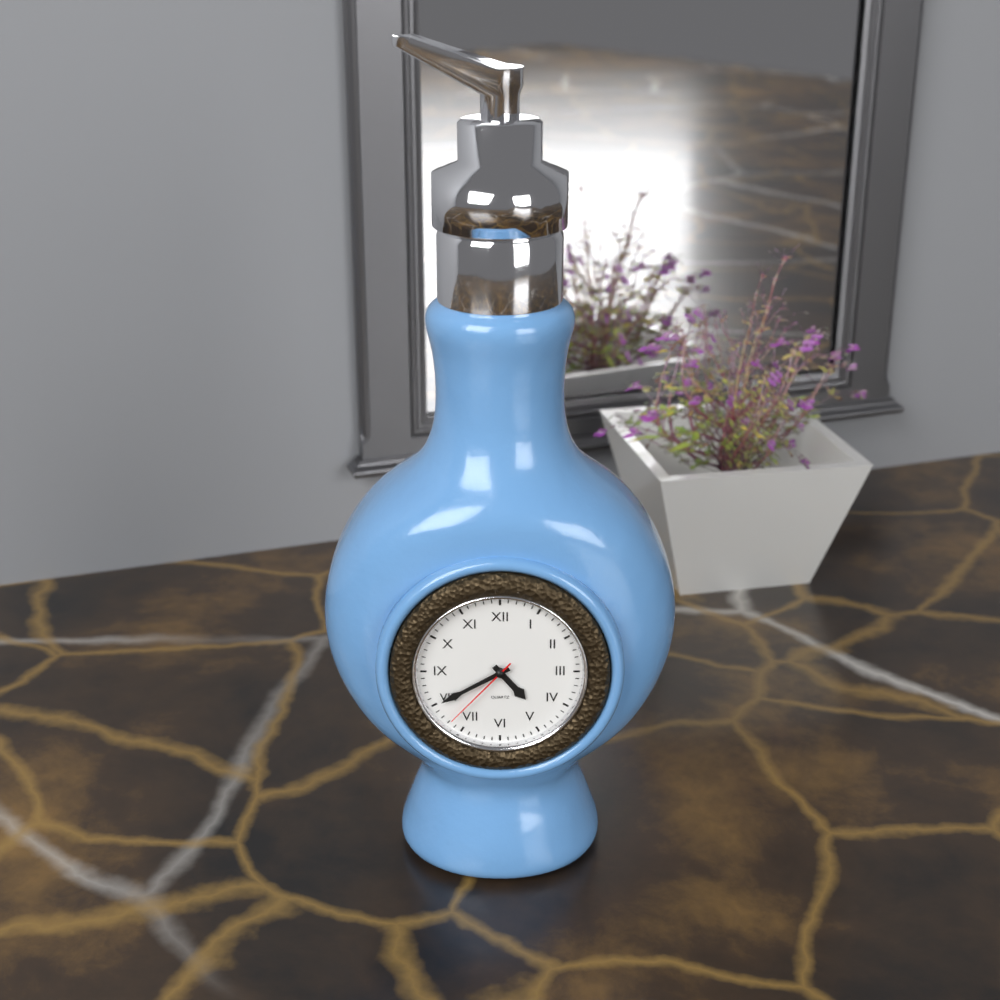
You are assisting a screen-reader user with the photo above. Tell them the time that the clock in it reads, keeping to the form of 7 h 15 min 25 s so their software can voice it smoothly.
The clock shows 4 h 40 min 37 s
